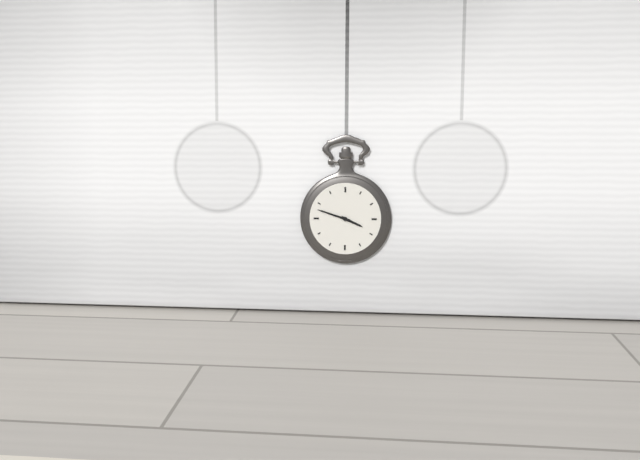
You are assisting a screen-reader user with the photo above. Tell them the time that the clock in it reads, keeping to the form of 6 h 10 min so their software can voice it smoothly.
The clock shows 3 h 48 min
